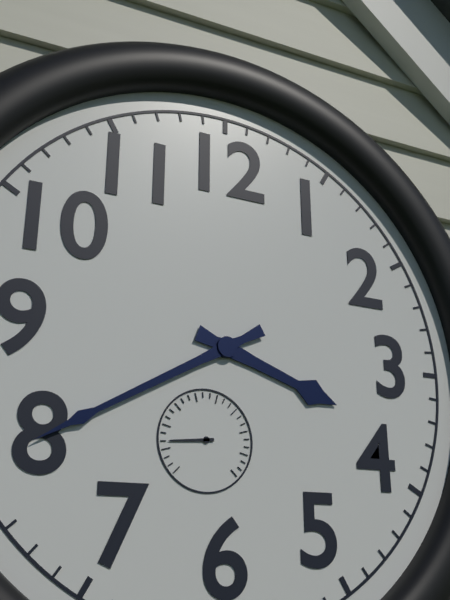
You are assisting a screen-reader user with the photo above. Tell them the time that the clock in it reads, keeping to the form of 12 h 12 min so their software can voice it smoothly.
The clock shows 3 h 40 min
